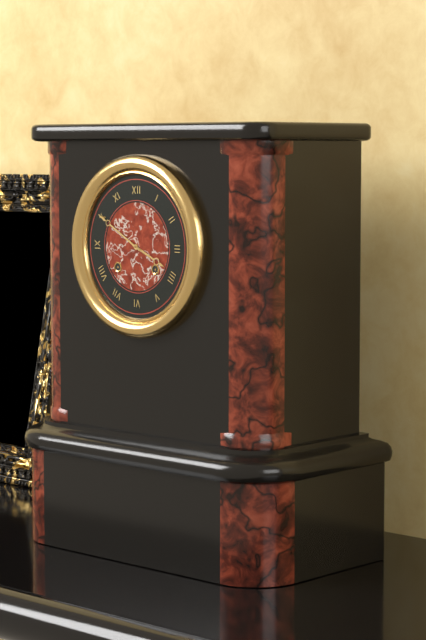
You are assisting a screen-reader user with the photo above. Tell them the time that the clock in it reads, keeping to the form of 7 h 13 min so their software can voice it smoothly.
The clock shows 3 h 50 min
